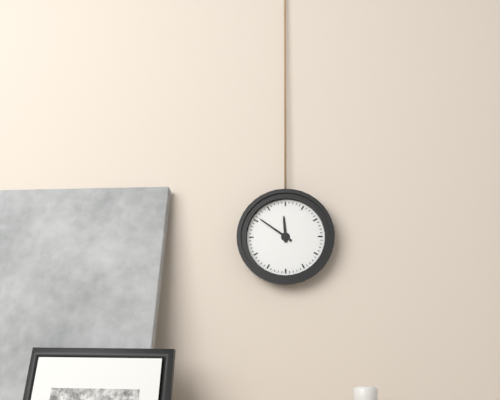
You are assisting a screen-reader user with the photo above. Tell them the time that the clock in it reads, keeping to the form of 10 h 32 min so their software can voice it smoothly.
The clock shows 11 h 51 min
